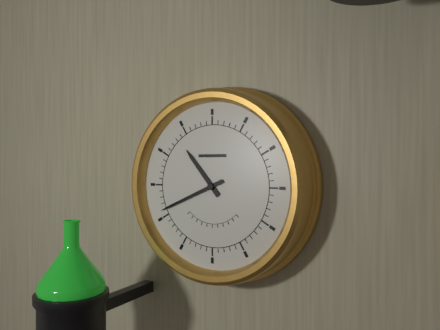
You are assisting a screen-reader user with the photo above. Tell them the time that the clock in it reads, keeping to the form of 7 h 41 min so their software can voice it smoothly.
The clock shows 10 h 41 min
